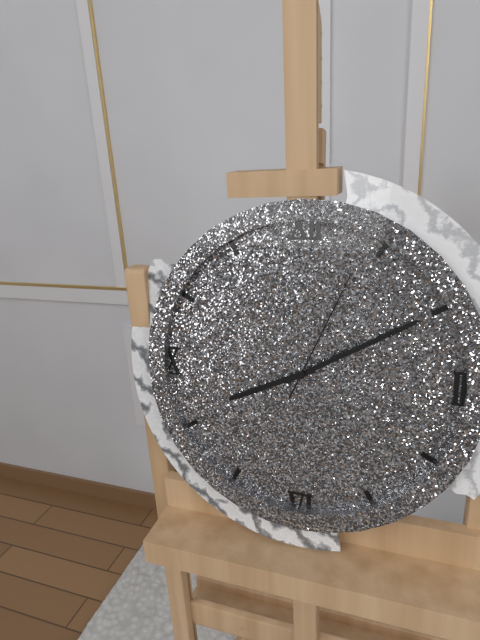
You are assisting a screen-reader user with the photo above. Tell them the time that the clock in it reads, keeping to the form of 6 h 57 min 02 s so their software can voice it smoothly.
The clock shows 8 h 10 min 04 s
